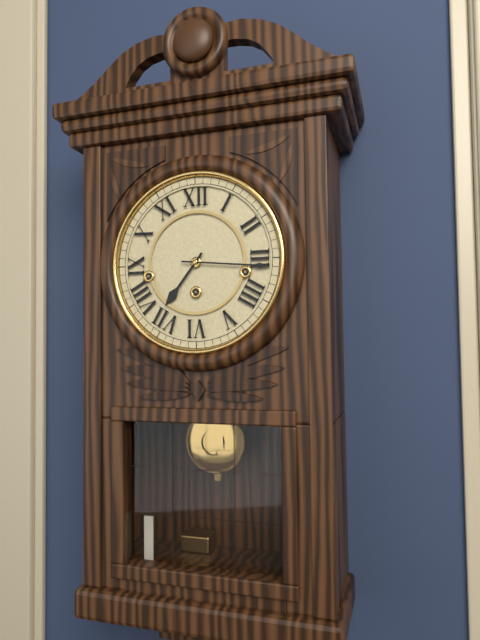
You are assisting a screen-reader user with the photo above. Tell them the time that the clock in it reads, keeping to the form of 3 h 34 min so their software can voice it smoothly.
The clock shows 7 h 16 min
